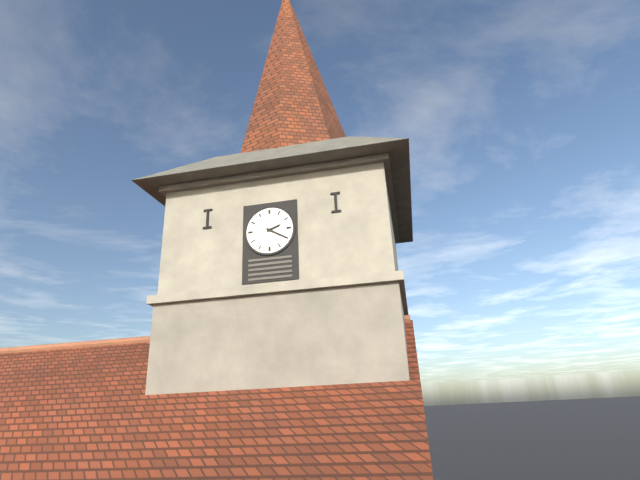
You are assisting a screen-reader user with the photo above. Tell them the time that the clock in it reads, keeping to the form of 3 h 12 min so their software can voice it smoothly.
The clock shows 2 h 20 min
